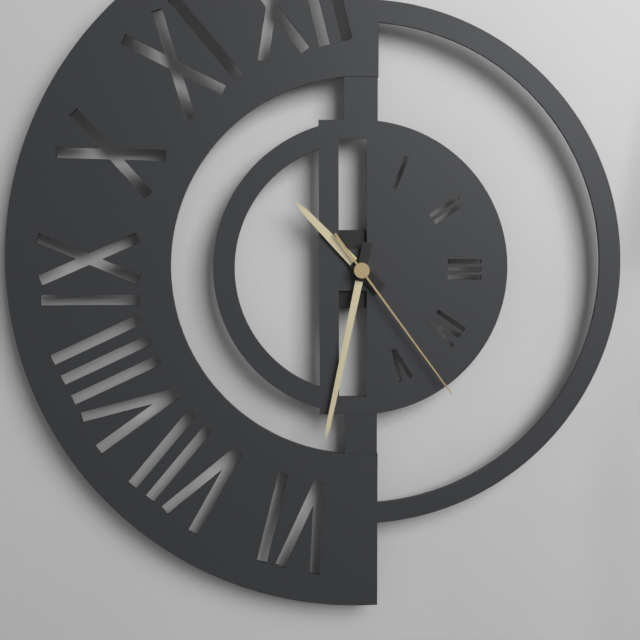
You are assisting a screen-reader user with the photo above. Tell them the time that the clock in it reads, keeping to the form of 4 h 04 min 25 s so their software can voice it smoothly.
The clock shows 10 h 32 min 24 s
